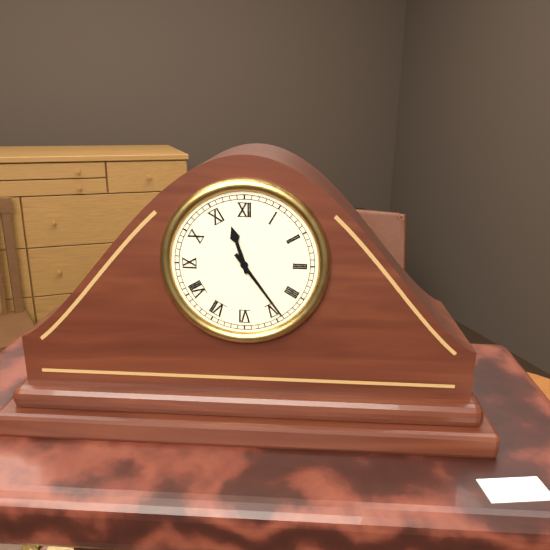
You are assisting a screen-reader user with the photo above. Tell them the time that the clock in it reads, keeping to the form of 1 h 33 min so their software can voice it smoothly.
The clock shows 11 h 24 min
